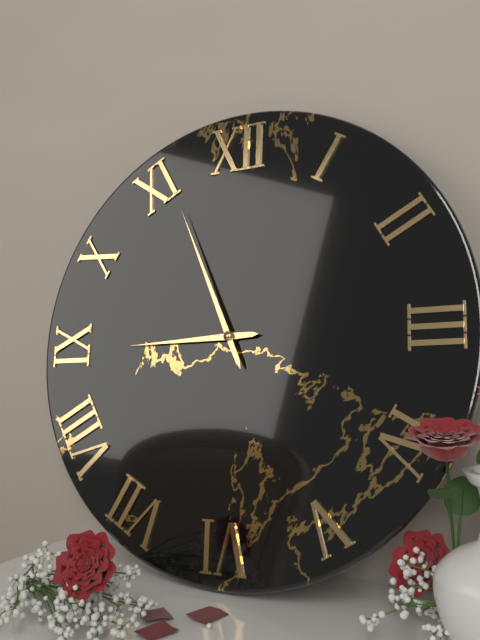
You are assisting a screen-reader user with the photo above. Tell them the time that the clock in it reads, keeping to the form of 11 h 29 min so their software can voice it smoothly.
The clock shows 8 h 56 min
